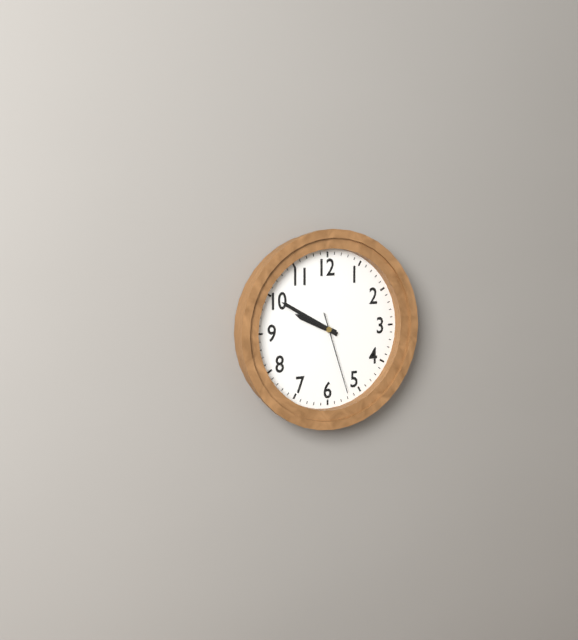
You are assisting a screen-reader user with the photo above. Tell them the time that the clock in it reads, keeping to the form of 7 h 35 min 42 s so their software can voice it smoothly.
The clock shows 9 h 50 min 27 s
